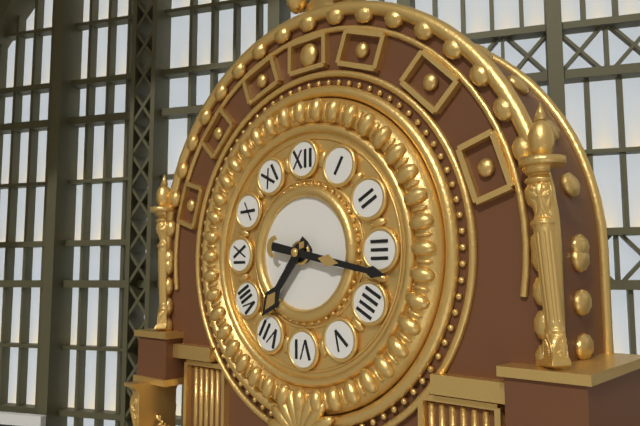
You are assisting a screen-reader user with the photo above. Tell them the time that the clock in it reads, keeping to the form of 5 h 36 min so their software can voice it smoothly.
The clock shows 7 h 17 min
